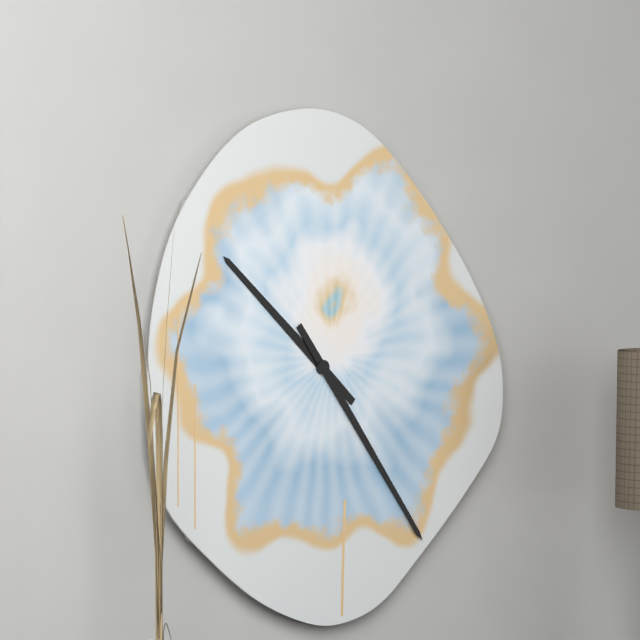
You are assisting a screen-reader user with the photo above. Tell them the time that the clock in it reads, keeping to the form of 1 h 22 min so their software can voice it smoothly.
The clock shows 10 h 24 min
